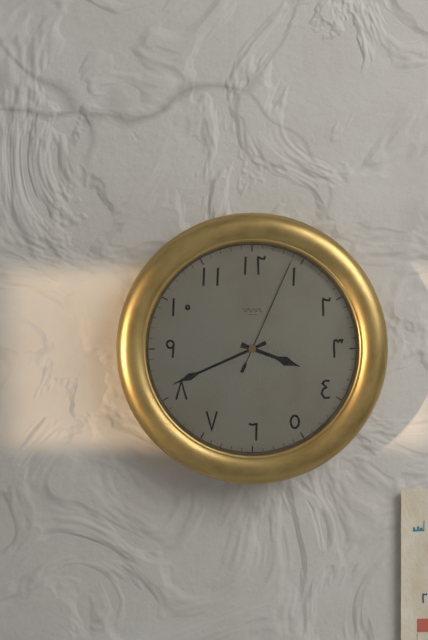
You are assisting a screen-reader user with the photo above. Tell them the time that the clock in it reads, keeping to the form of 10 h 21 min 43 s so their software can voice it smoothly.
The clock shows 3 h 41 min 04 s
